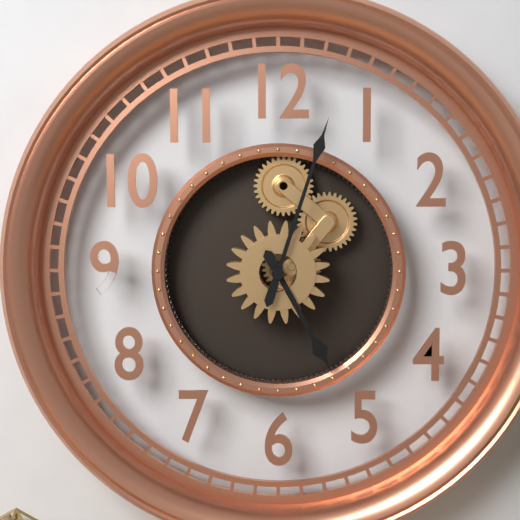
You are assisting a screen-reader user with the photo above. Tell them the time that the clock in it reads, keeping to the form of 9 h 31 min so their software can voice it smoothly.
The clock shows 5 h 03 min
